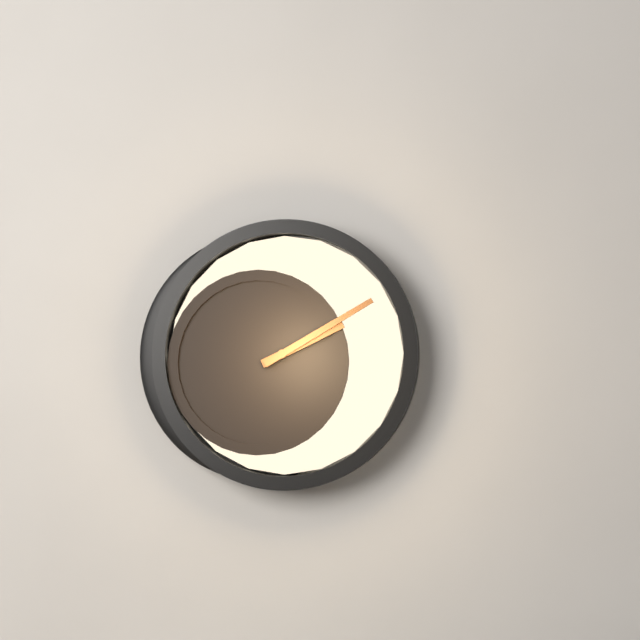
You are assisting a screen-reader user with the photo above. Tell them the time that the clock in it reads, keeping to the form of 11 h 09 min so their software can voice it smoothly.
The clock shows 2 h 10 min
